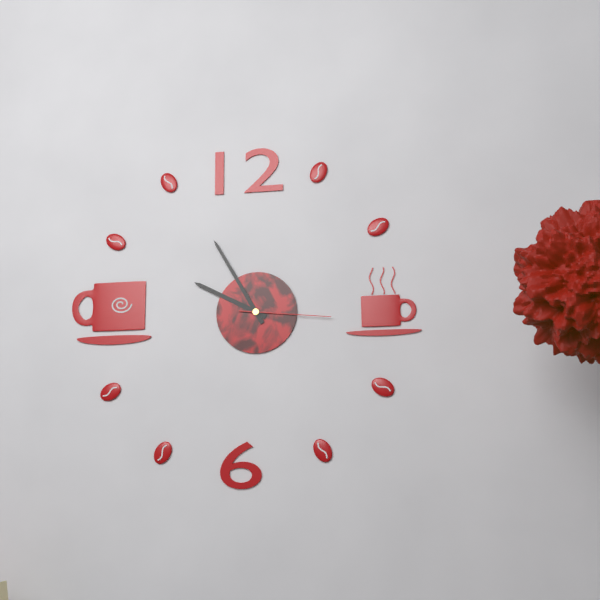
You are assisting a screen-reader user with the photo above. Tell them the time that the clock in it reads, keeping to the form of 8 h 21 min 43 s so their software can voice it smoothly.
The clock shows 9 h 55 min 16 s
